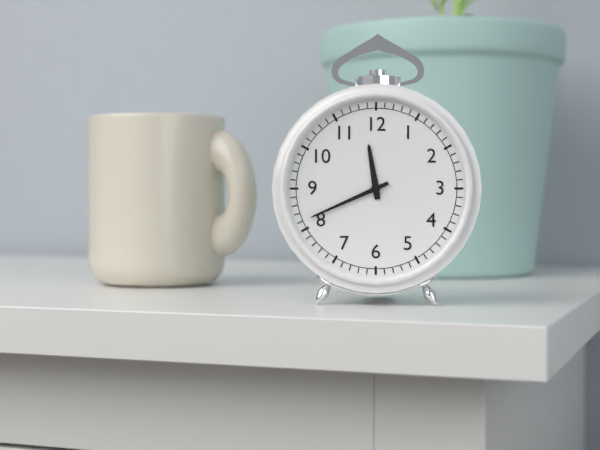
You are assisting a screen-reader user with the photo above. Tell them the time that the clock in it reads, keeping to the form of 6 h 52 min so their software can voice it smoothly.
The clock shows 11 h 41 min
